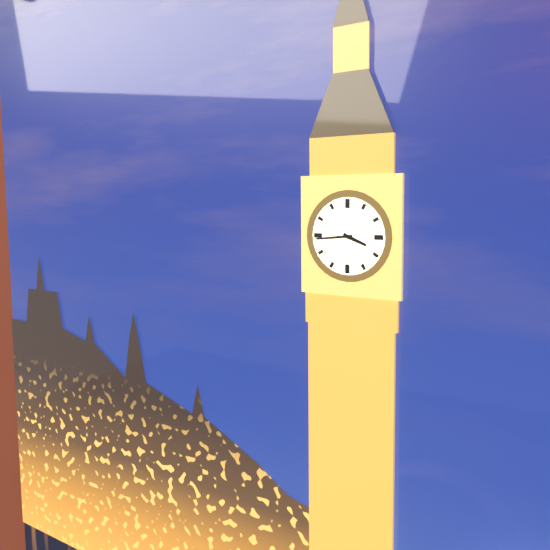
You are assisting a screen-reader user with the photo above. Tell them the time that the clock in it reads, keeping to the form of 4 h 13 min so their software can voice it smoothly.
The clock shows 3 h 44 min
